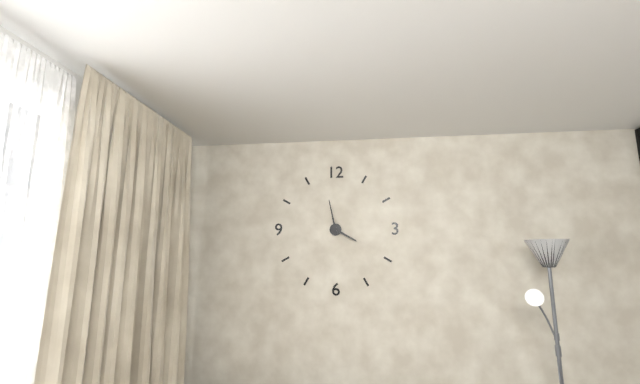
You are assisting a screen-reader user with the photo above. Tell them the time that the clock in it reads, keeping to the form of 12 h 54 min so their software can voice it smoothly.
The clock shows 3 h 58 min
